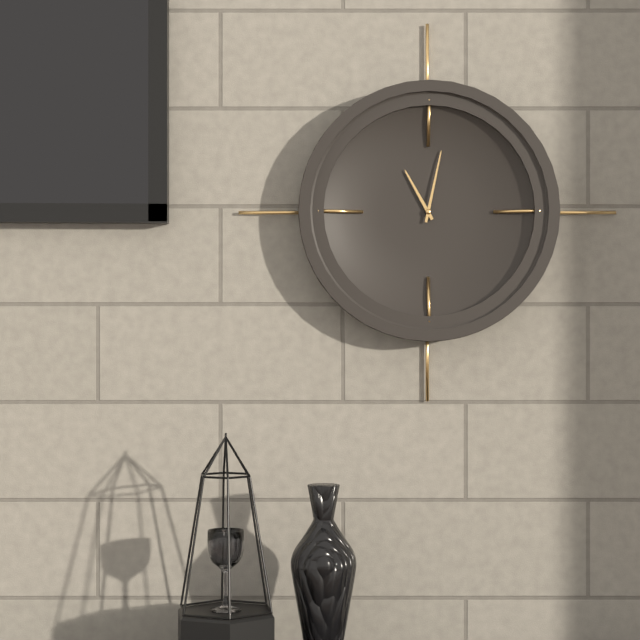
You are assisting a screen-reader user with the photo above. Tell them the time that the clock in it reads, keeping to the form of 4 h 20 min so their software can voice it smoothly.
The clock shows 11 h 02 min
